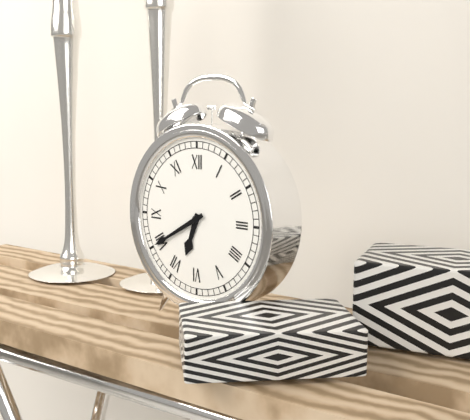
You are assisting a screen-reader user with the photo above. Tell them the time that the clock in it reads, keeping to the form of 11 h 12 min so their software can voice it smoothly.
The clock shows 6 h 40 min
